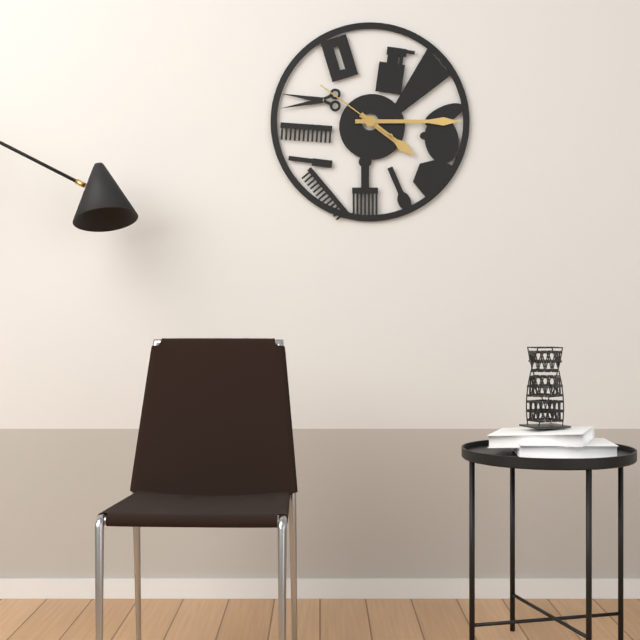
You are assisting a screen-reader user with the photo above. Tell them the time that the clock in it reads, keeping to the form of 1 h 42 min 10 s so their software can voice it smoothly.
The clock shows 4 h 15 min 51 s
